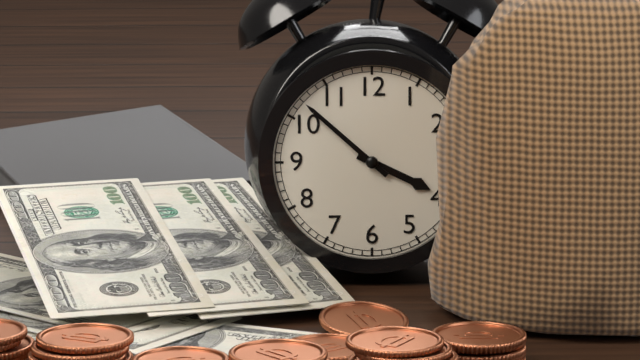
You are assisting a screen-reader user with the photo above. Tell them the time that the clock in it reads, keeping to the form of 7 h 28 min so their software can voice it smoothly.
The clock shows 3 h 52 min
